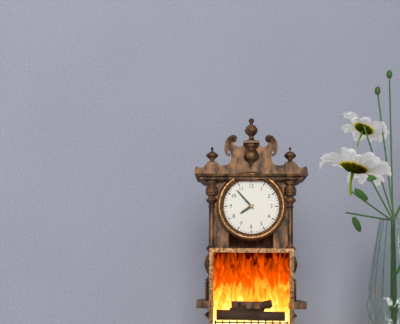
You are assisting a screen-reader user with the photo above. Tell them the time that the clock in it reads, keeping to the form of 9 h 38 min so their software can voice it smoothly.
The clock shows 7 h 53 min
